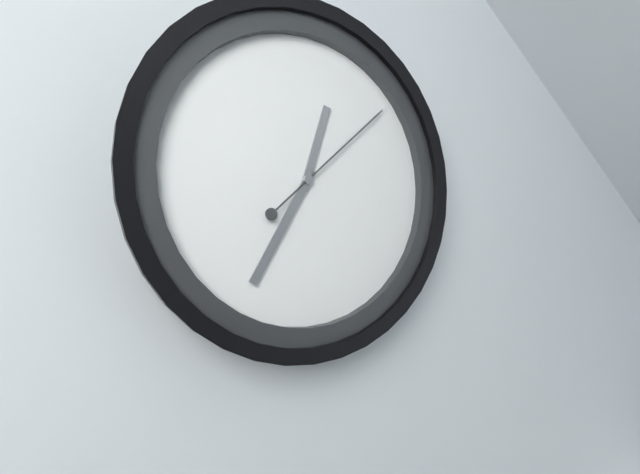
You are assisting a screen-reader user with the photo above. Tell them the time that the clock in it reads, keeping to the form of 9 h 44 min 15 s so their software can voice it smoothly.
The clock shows 12 h 35 min 08 s
